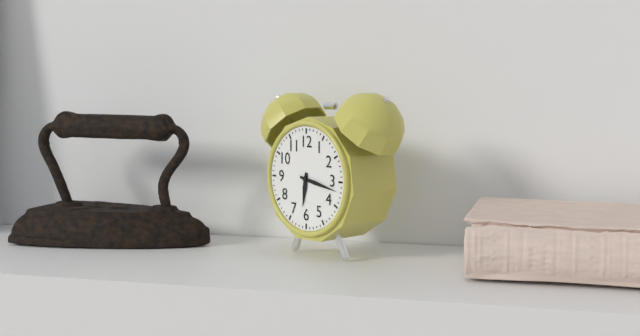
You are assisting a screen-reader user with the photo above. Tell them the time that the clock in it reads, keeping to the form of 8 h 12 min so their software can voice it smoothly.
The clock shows 6 h 17 min
